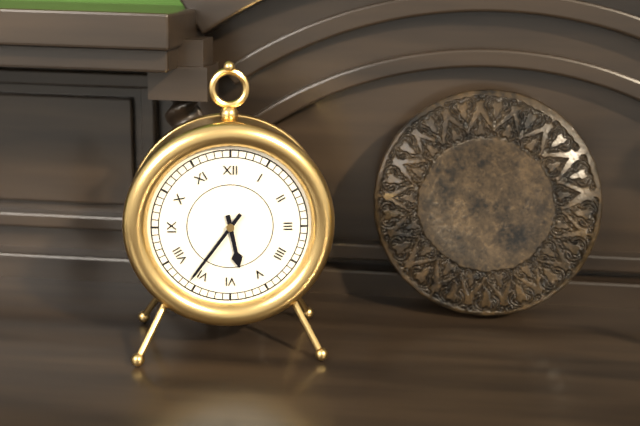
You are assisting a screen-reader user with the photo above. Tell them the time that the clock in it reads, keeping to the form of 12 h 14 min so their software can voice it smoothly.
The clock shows 5 h 36 min
